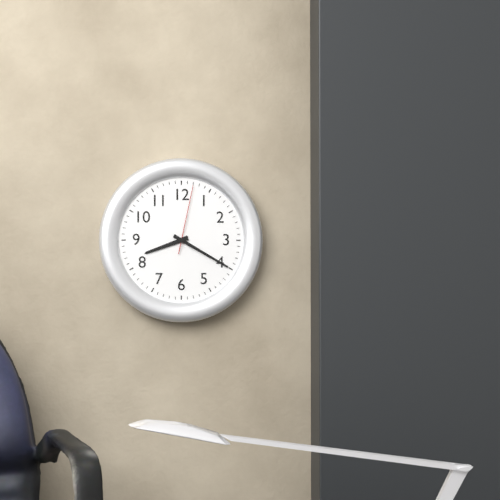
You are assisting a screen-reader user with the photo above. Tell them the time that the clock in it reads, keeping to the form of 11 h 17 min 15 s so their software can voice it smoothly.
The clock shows 8 h 20 min 02 s
